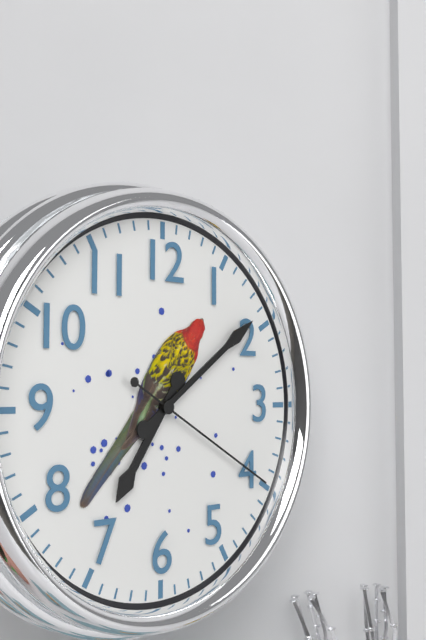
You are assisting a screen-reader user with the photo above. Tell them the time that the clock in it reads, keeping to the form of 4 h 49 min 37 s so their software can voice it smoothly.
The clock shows 7 h 09 min 20 s
